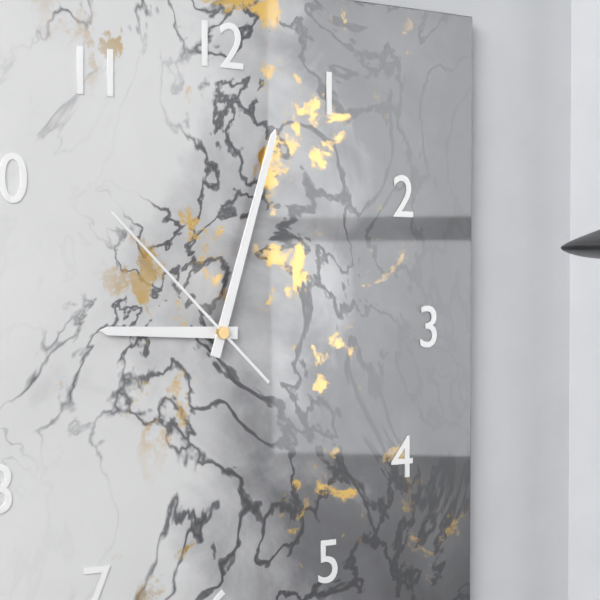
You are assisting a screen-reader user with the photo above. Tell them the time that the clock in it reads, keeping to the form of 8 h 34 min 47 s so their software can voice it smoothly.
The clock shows 9 h 03 min 52 s
